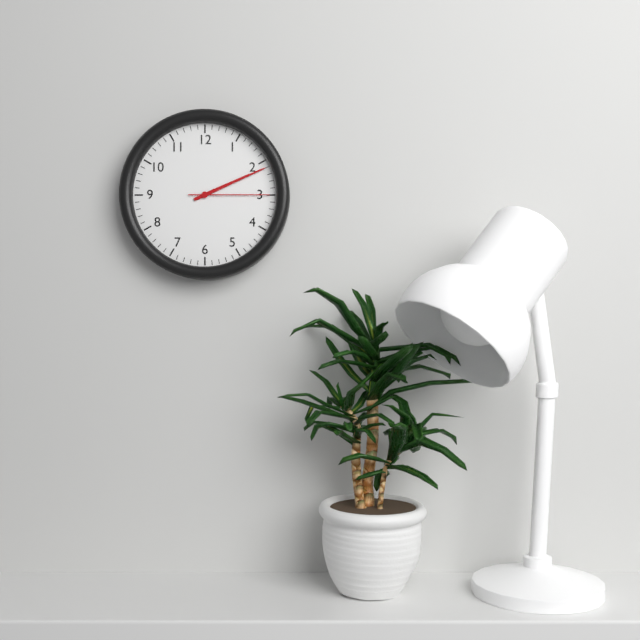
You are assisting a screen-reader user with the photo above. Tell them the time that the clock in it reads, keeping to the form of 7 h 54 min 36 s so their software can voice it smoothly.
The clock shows 2 h 11 min 15 s
